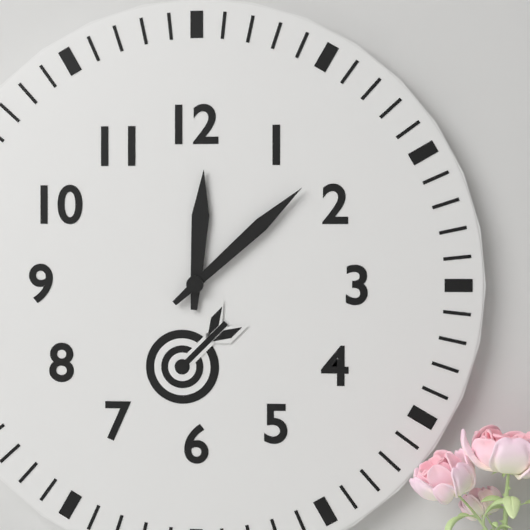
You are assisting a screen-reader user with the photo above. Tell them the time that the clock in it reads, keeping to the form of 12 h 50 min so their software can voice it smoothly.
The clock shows 12 h 08 min
